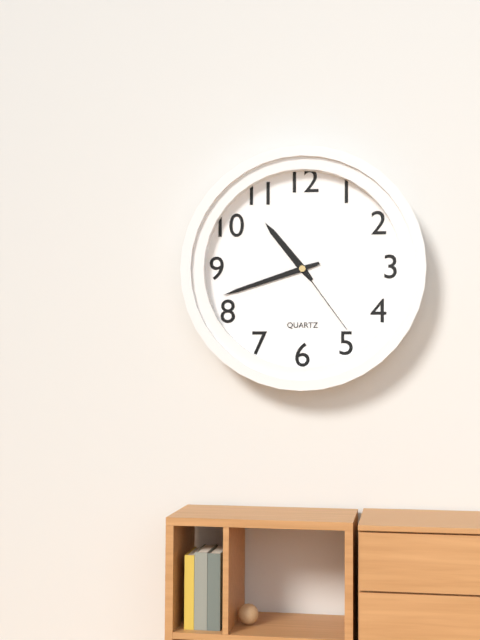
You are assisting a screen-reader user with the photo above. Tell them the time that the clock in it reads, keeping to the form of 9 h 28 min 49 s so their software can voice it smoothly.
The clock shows 10 h 42 min 24 s
